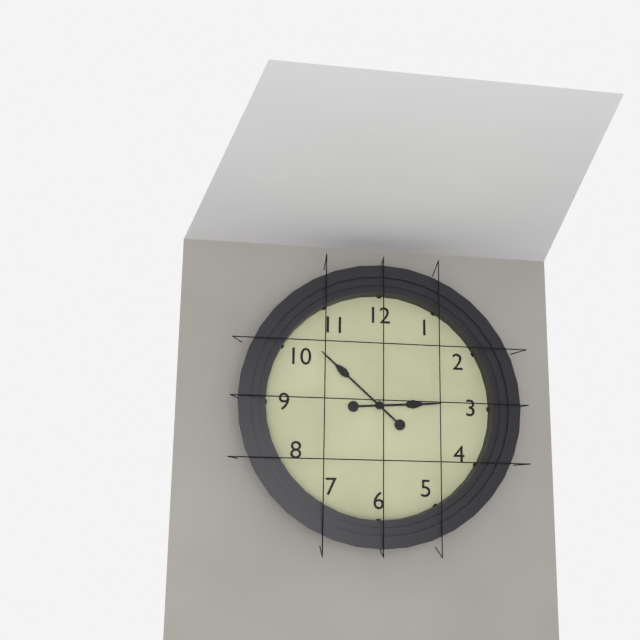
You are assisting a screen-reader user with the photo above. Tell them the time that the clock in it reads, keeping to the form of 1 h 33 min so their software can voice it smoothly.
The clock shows 2 h 52 min
